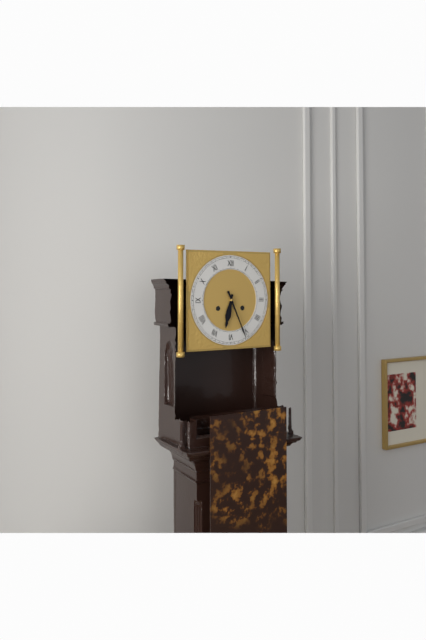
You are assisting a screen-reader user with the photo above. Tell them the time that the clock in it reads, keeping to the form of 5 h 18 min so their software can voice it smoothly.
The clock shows 6 h 26 min
